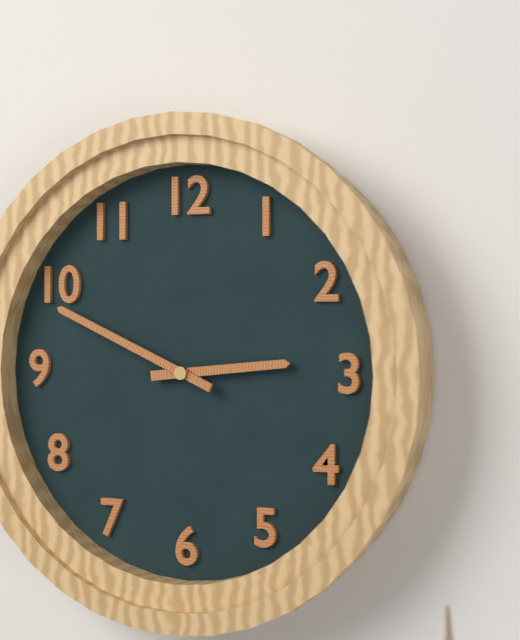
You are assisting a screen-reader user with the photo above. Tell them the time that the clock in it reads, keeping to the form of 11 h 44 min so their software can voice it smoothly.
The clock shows 2 h 49 min
